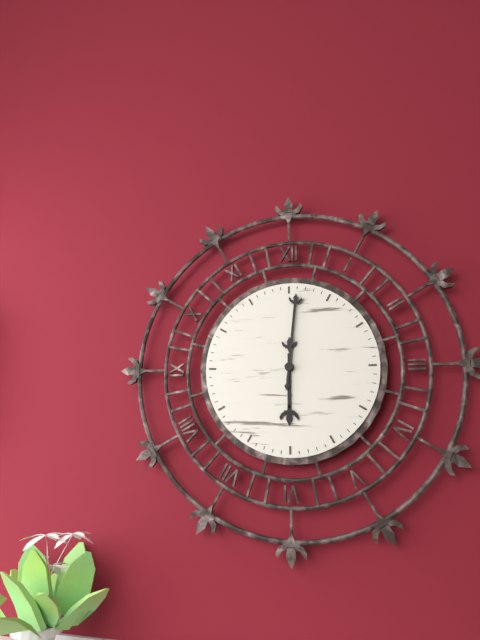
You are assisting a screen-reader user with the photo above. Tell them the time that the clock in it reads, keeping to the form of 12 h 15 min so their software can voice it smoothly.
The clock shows 6 h 01 min
